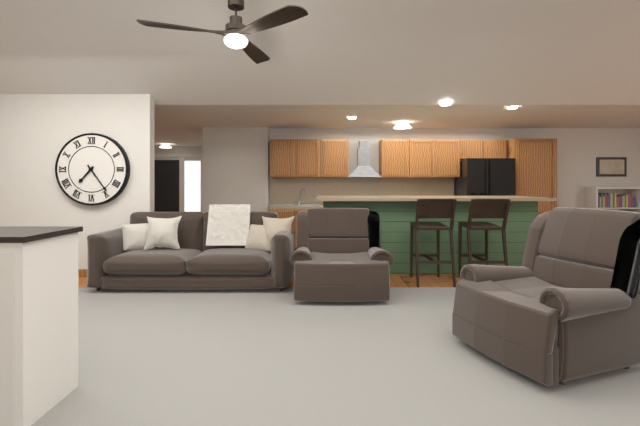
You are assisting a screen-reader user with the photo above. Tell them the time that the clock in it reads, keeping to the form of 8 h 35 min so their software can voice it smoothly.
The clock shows 7 h 24 min
